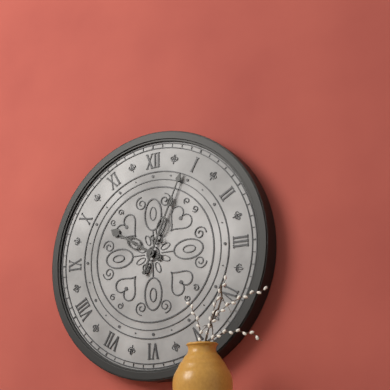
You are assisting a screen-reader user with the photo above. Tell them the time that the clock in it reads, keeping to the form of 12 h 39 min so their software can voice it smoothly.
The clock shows 10 h 04 min
